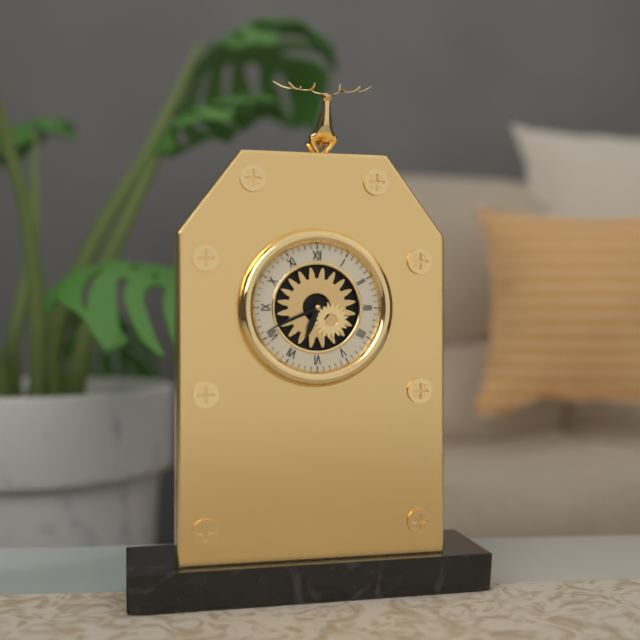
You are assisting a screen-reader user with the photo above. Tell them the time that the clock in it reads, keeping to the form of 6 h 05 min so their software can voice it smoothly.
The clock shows 6 h 41 min
